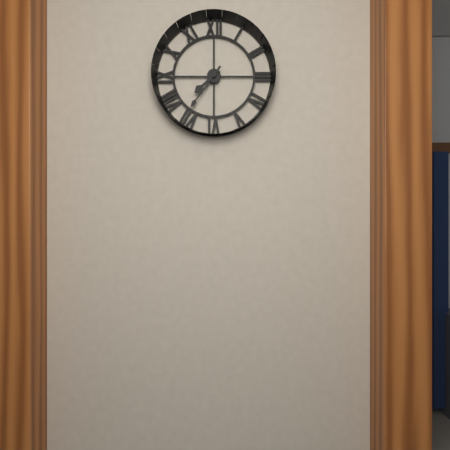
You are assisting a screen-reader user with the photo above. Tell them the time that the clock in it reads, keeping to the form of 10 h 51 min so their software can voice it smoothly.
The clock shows 7 h 36 min
